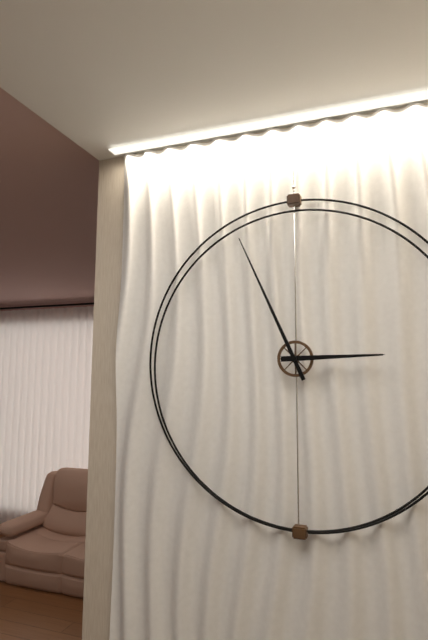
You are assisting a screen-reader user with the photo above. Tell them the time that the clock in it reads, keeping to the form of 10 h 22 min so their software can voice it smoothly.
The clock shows 2 h 56 min
